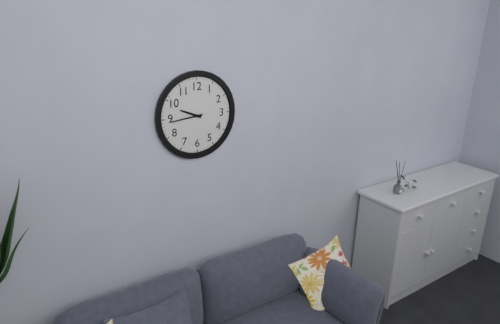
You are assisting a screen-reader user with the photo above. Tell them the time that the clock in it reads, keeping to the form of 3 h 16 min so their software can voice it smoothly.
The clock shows 9 h 44 min
